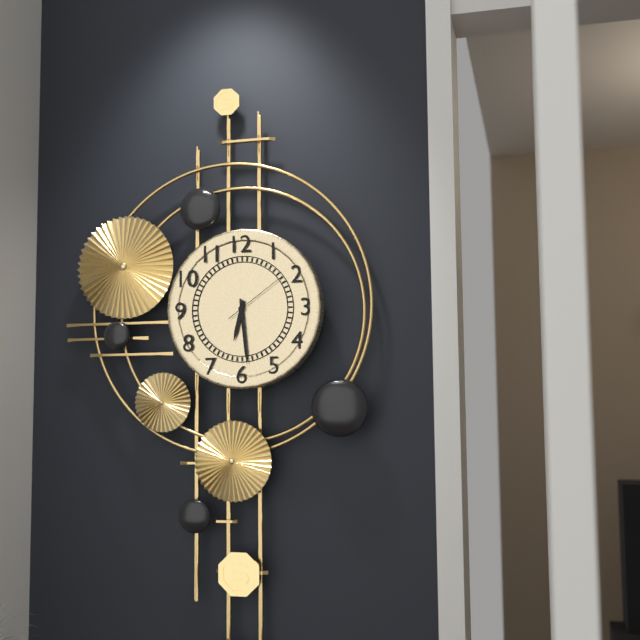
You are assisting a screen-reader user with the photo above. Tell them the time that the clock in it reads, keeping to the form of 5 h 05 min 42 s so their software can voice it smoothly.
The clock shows 6 h 29 min 09 s
